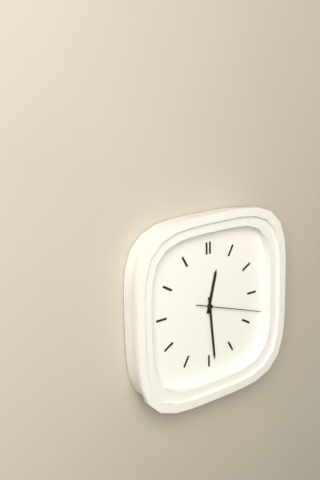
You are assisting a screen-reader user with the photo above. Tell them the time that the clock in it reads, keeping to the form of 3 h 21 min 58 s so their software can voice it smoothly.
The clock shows 12 h 29 min 18 s
